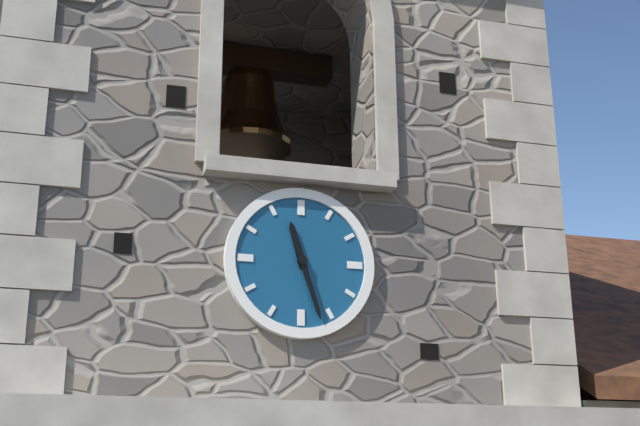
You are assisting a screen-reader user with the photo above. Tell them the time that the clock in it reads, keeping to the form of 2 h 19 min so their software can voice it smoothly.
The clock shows 11 h 27 min
